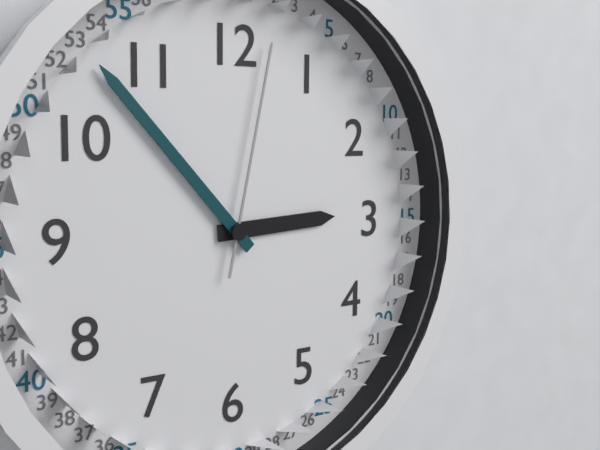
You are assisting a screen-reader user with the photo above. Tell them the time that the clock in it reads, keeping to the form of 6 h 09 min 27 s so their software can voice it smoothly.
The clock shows 2 h 53 min 02 s
